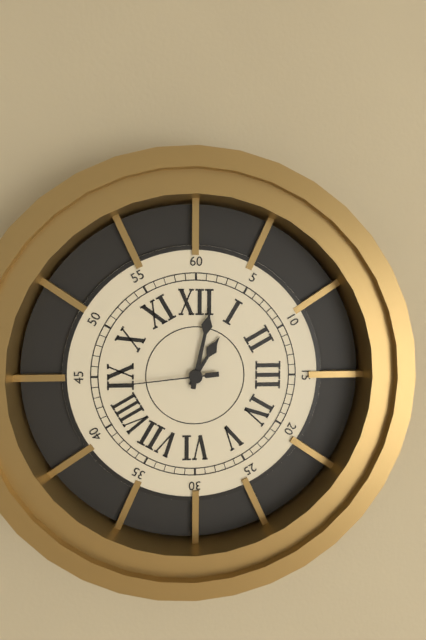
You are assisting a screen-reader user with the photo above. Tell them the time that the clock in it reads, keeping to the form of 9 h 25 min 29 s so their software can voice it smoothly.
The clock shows 1 h 02 min 44 s
